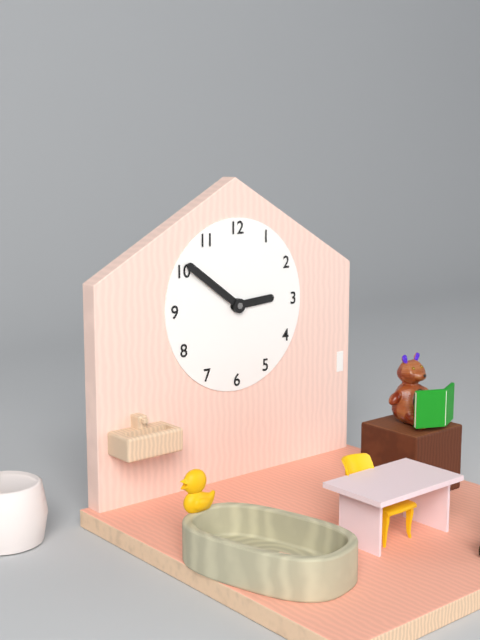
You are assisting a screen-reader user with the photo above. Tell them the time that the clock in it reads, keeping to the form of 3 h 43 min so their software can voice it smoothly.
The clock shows 2 h 51 min
